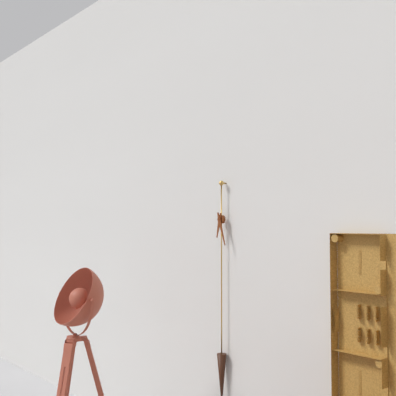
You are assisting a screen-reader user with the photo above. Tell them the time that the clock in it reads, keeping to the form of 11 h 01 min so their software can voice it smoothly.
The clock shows 6 h 27 min
